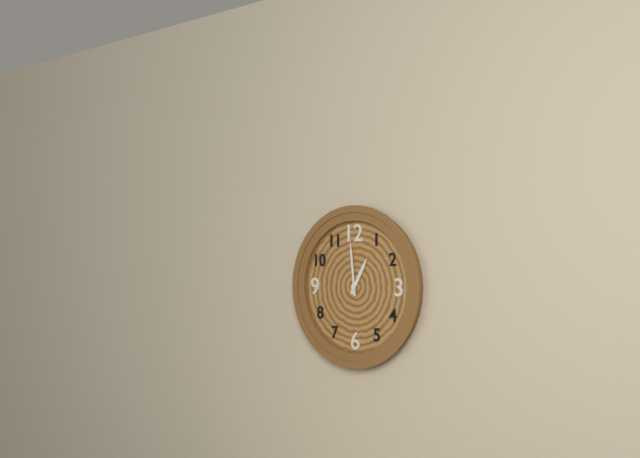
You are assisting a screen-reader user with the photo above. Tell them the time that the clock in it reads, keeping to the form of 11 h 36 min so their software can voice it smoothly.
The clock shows 12 h 59 min
